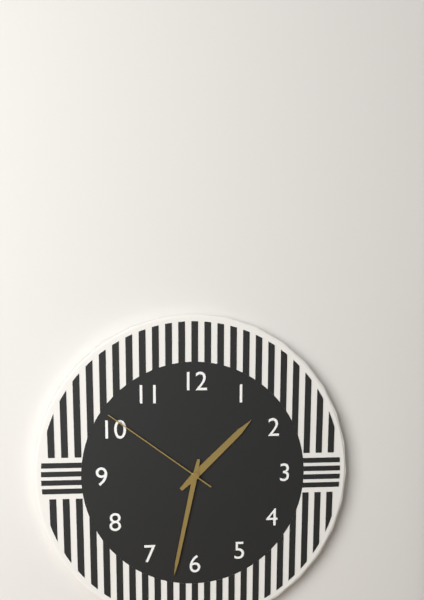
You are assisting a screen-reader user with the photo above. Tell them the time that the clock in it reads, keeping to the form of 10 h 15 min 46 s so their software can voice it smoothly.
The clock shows 1 h 32 min 51 s
